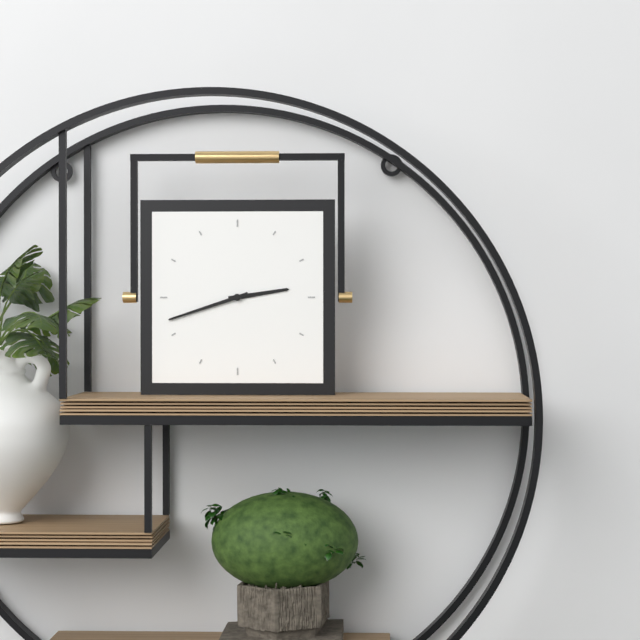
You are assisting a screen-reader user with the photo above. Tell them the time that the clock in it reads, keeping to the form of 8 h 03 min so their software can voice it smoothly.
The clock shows 2 h 42 min
